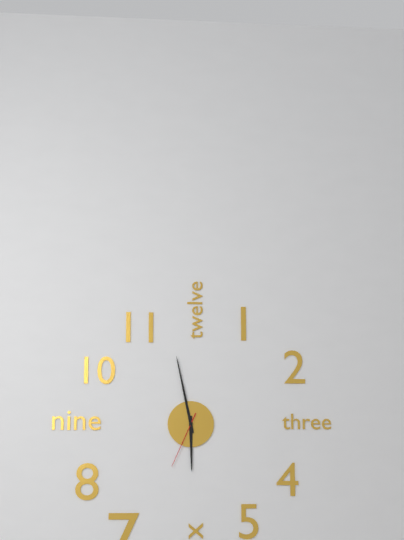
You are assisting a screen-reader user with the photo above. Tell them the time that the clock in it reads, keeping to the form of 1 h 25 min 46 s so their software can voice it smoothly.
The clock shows 5 h 58 min 34 s
